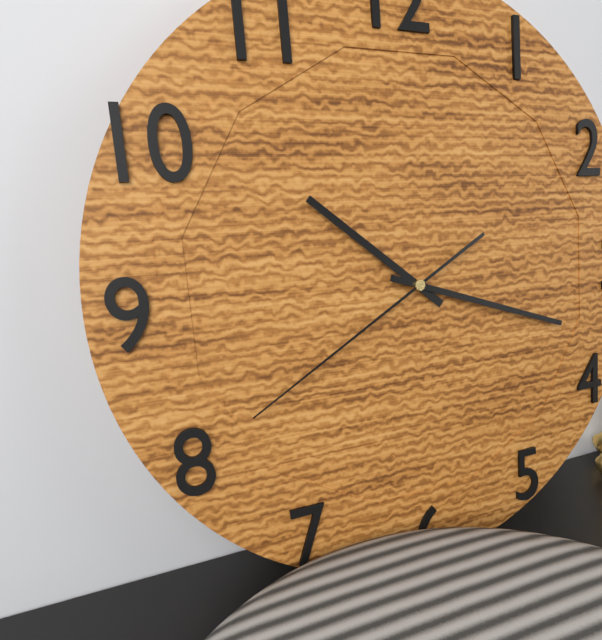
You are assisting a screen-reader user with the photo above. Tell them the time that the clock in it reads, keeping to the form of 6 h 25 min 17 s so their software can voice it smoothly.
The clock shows 10 h 18 min 40 s
